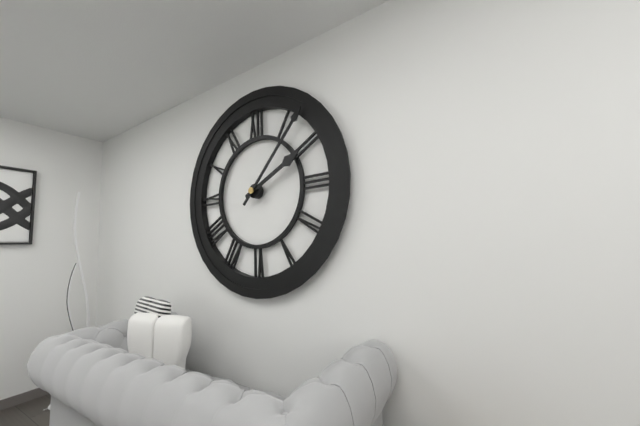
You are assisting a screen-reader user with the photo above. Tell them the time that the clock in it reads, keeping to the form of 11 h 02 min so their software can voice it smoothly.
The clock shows 2 h 07 min
